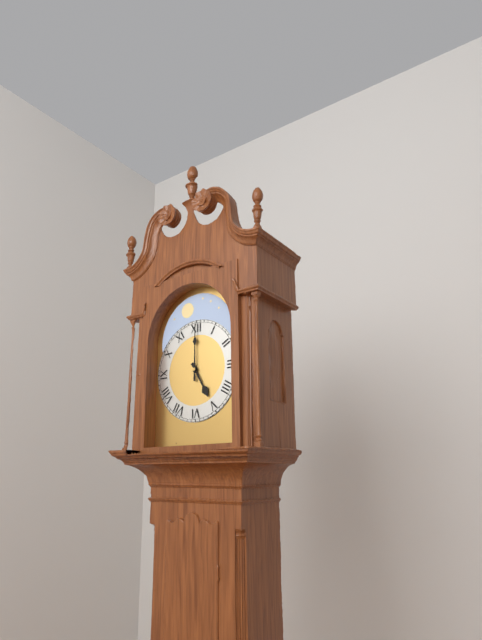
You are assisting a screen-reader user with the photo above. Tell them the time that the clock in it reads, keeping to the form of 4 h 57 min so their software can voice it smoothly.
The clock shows 5 h 00 min
